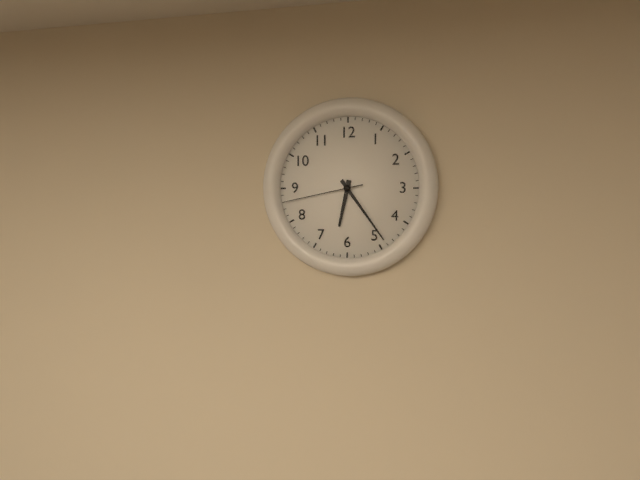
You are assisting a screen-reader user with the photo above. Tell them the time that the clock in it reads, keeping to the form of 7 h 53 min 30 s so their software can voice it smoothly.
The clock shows 6 h 24 min 43 s
